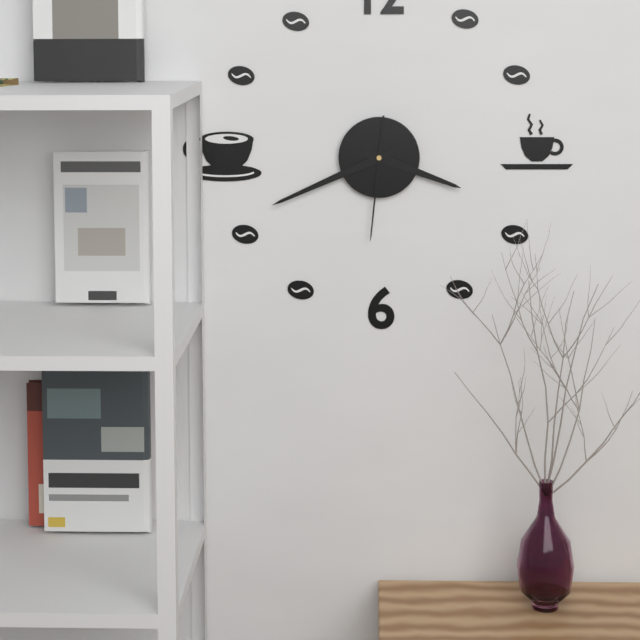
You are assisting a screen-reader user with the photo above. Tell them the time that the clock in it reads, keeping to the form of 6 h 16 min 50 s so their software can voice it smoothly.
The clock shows 3 h 41 min 31 s
